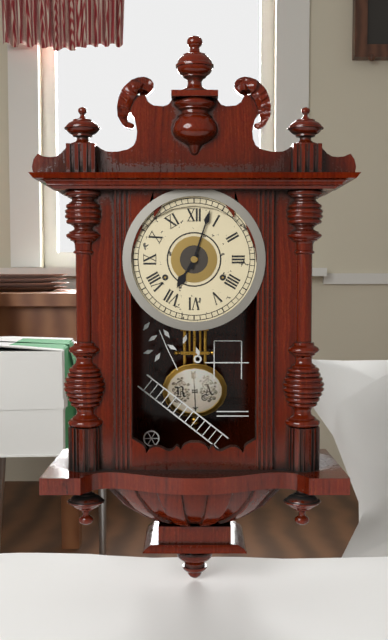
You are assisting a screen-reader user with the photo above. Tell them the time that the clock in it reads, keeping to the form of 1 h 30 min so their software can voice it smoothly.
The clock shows 7 h 03 min
